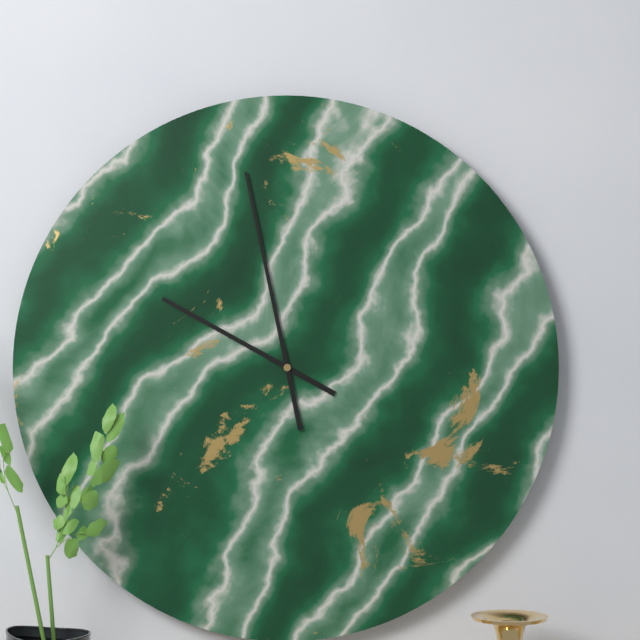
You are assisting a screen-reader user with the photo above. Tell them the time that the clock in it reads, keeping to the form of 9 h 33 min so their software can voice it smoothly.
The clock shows 9 h 58 min
